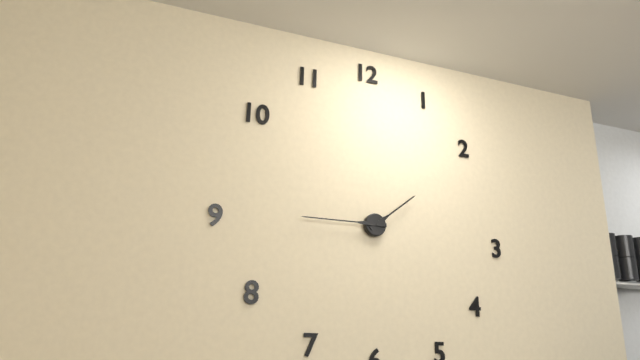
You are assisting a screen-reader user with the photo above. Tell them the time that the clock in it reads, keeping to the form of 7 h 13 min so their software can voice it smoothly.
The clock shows 1 h 45 min
